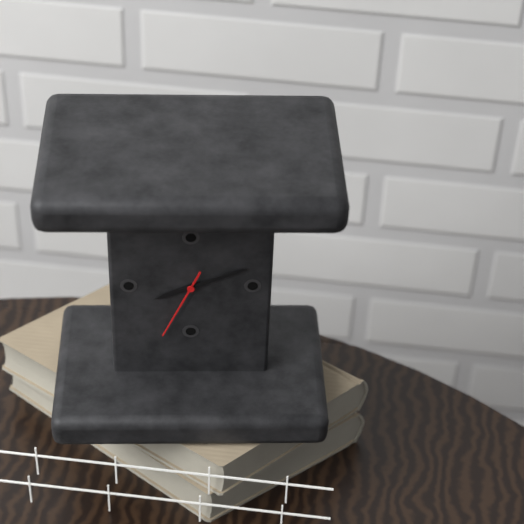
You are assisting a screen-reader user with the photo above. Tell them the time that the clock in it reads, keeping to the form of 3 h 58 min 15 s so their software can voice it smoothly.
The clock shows 8 h 11 min 34 s
